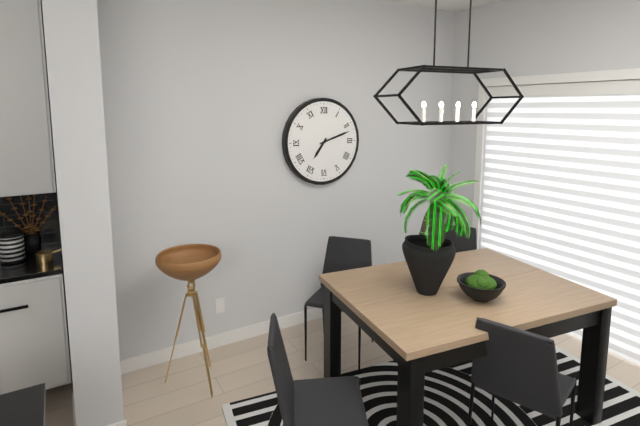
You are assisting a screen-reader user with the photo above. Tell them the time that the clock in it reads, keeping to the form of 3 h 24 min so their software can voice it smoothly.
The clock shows 7 h 12 min
